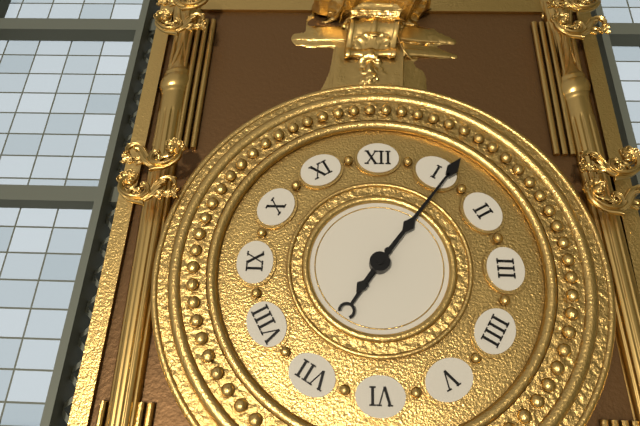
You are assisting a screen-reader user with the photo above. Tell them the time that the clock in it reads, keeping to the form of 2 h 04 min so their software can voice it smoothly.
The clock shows 7 h 06 min
